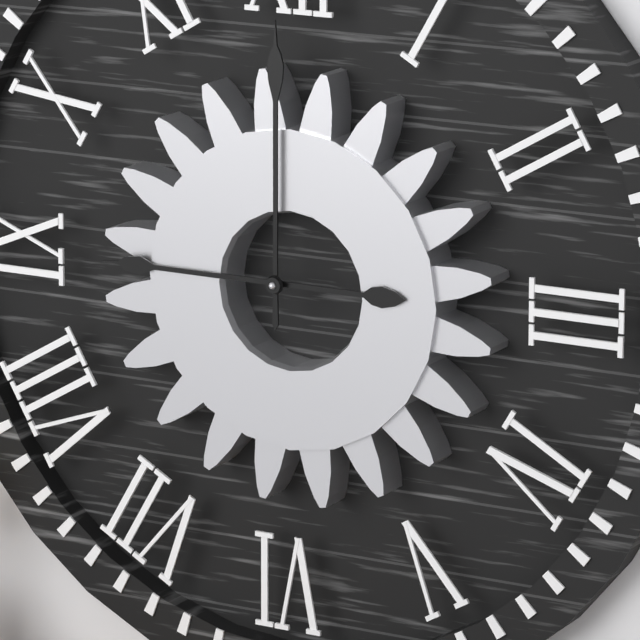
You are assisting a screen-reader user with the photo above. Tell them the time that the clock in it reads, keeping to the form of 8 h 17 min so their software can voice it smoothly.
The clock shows 9 h 00 min
